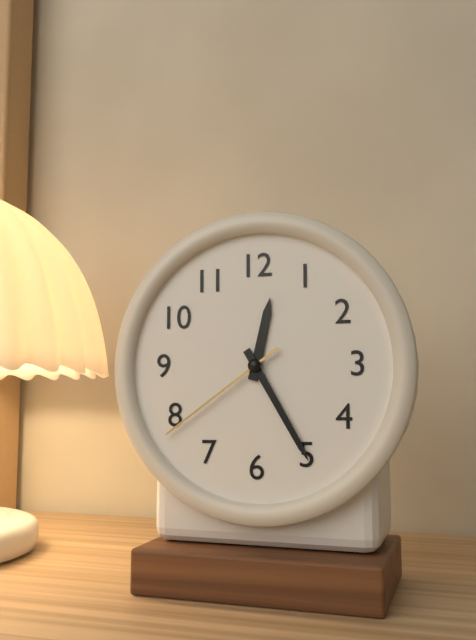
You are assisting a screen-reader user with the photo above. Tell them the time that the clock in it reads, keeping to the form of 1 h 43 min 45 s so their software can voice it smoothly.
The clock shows 12 h 25 min 39 s
